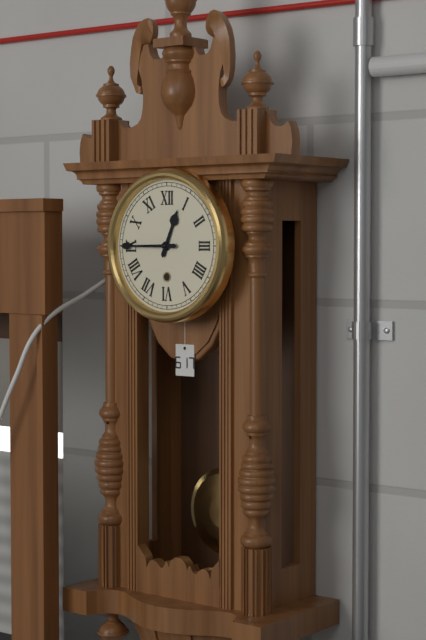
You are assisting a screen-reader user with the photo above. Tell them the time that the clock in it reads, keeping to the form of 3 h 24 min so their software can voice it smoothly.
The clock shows 12 h 45 min
